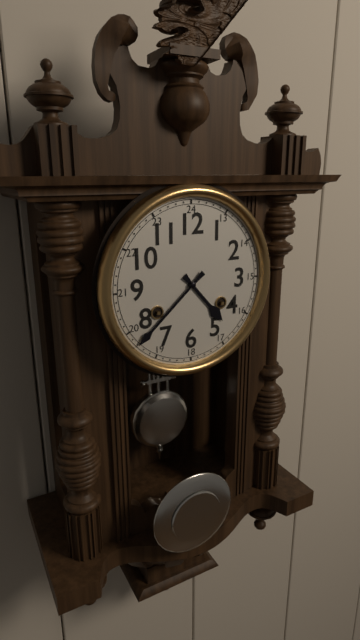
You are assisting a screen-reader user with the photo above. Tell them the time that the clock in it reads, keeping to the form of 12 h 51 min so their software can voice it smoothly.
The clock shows 4 h 38 min
